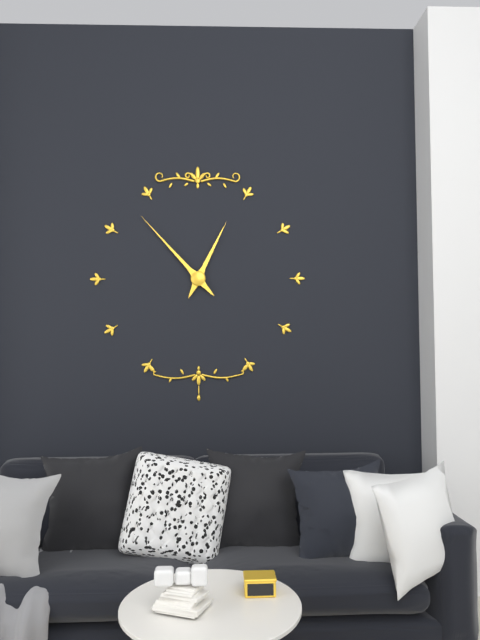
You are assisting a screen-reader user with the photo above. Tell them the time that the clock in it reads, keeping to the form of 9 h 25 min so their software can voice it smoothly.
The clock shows 12 h 53 min
